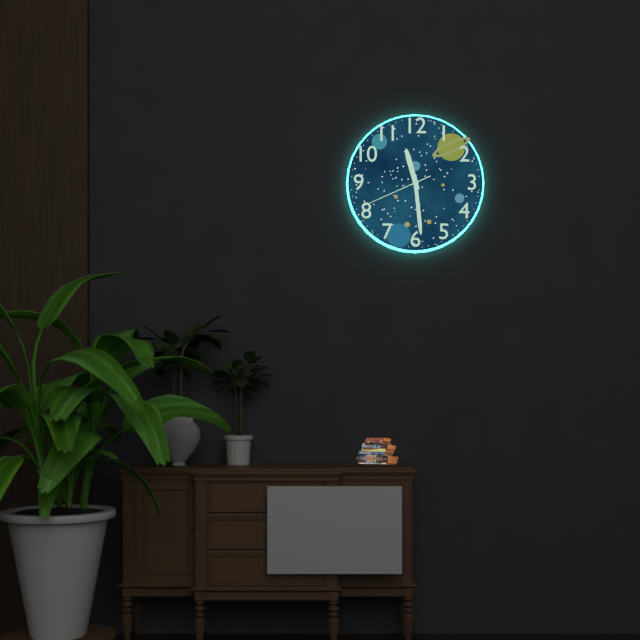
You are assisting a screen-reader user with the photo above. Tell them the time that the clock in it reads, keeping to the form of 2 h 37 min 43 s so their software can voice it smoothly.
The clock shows 11 h 29 min 41 s
